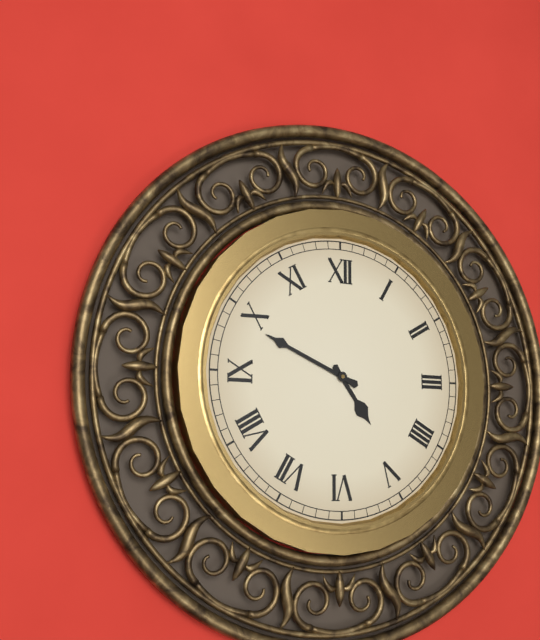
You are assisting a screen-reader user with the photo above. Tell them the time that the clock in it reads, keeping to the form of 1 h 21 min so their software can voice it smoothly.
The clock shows 4 h 49 min
